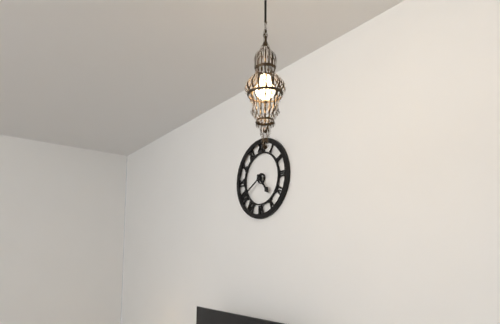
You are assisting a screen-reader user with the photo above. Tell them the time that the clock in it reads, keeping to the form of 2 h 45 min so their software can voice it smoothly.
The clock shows 4 h 40 min
